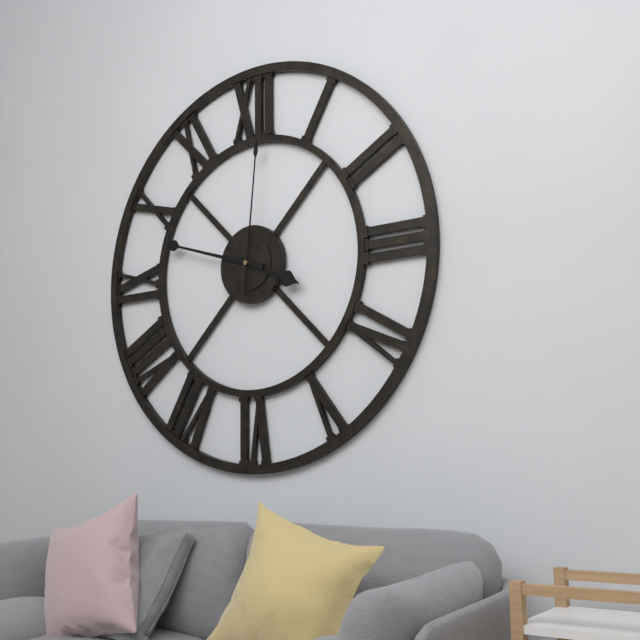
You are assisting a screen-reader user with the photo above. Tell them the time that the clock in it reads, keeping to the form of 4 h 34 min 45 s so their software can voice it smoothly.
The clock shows 3 h 48 min 01 s
